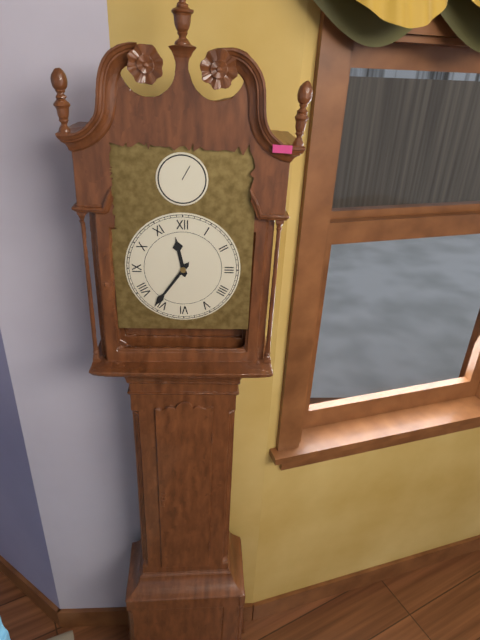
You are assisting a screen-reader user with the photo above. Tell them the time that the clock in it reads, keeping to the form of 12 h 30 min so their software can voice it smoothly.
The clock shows 11 h 36 min
